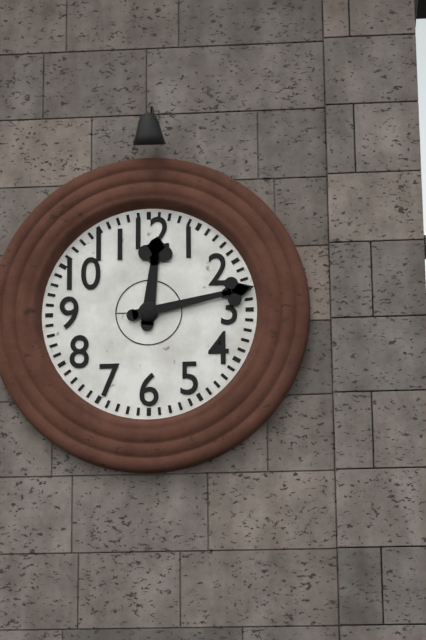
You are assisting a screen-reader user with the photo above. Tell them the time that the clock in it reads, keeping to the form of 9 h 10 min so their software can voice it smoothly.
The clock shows 12 h 13 min
